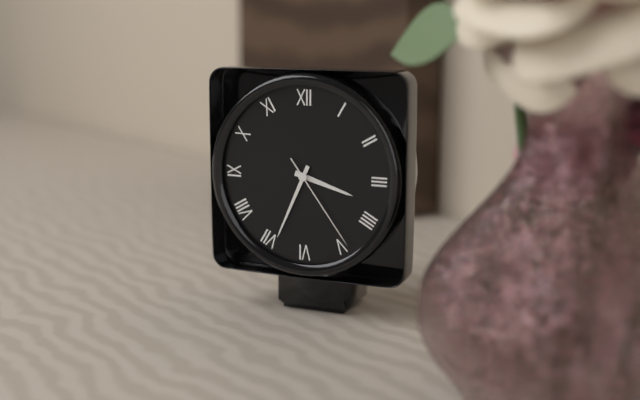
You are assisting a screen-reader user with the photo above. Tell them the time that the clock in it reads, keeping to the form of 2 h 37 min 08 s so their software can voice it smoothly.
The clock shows 3 h 34 min 24 s
